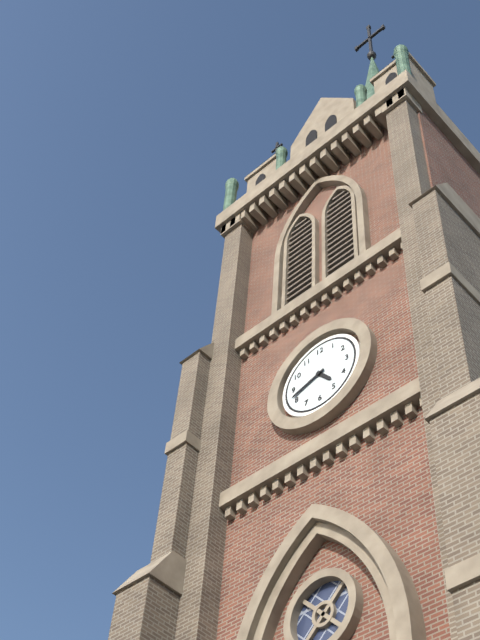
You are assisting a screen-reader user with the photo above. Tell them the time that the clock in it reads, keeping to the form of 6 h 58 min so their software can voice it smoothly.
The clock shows 4 h 42 min
